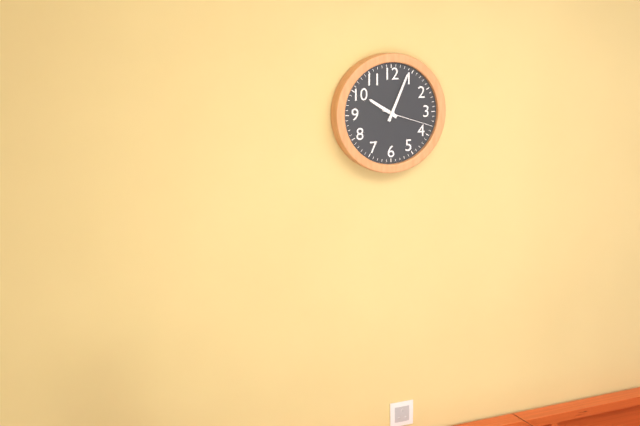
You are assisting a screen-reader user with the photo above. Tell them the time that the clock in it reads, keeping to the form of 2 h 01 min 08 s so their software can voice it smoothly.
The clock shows 10 h 04 min 18 s
